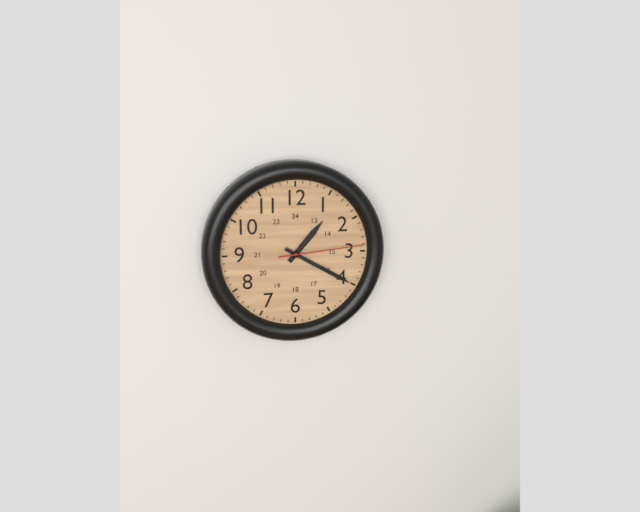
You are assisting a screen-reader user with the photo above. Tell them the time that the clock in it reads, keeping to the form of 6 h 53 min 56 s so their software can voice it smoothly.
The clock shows 1 h 20 min 14 s
